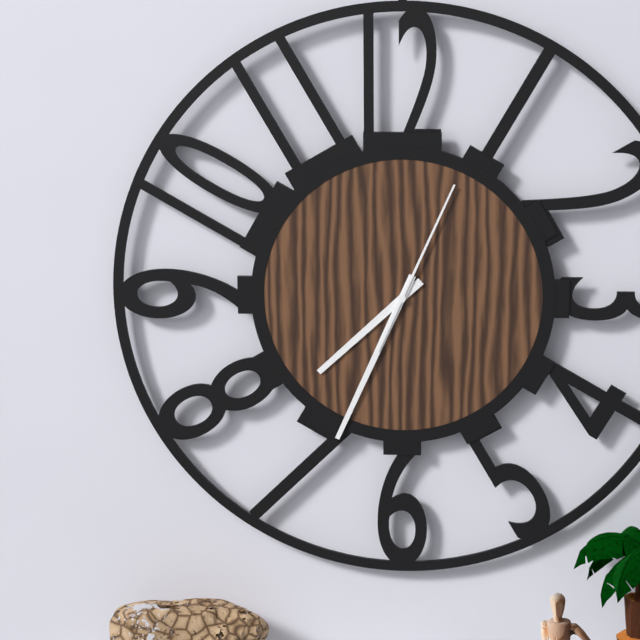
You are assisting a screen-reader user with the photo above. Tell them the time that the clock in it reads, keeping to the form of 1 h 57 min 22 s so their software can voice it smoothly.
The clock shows 7 h 34 min 04 s
